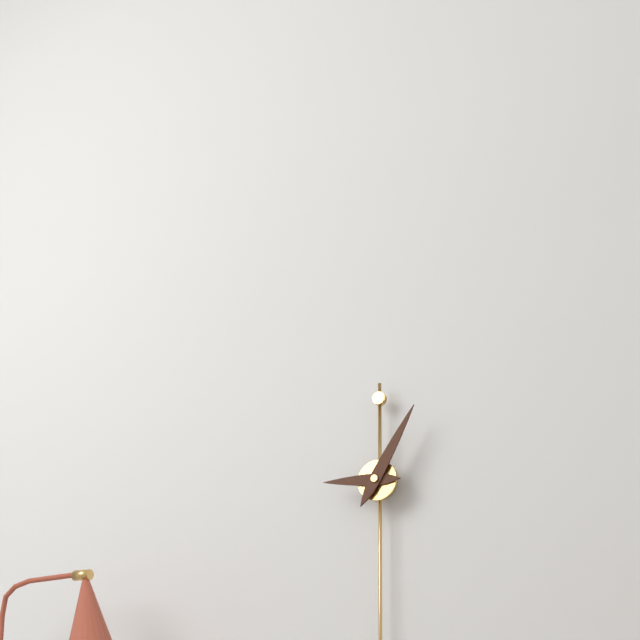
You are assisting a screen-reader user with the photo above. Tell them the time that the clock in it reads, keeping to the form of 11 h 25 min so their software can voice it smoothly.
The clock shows 9 h 05 min
